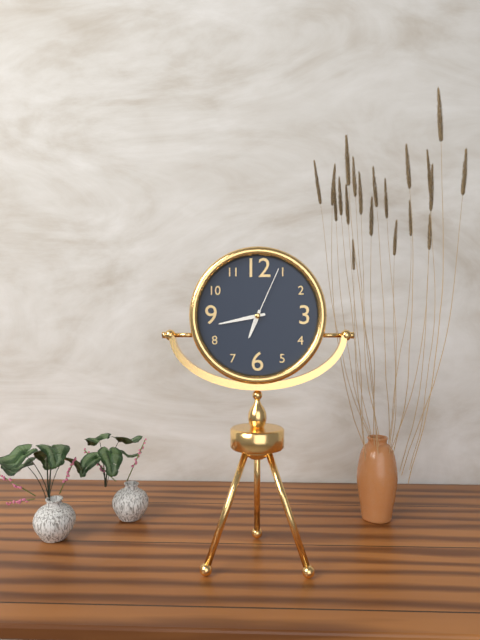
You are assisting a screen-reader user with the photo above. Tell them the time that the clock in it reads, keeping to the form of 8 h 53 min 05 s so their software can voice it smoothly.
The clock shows 6 h 43 min 04 s
